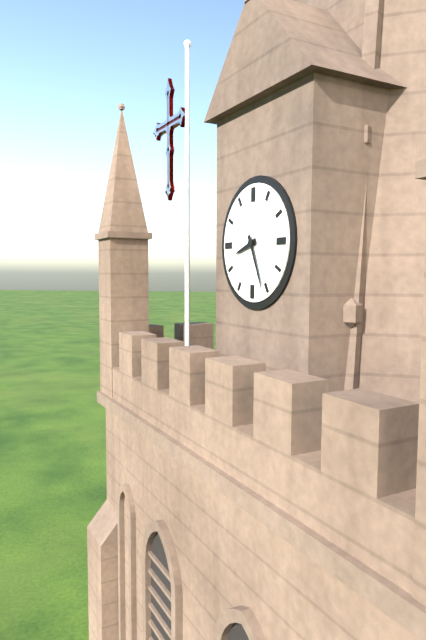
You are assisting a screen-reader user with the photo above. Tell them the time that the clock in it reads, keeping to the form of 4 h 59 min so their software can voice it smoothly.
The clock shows 8 h 26 min
